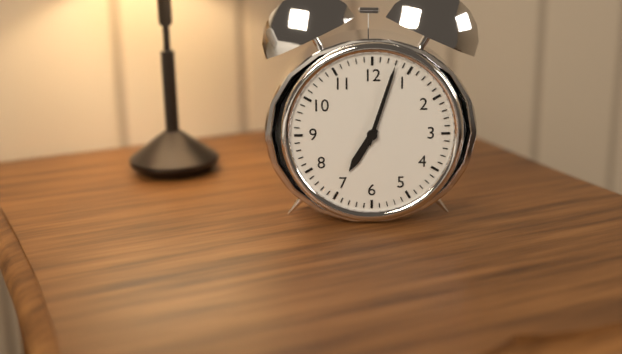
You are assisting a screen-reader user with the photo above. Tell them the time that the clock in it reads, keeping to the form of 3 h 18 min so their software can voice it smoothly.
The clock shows 7 h 03 min
